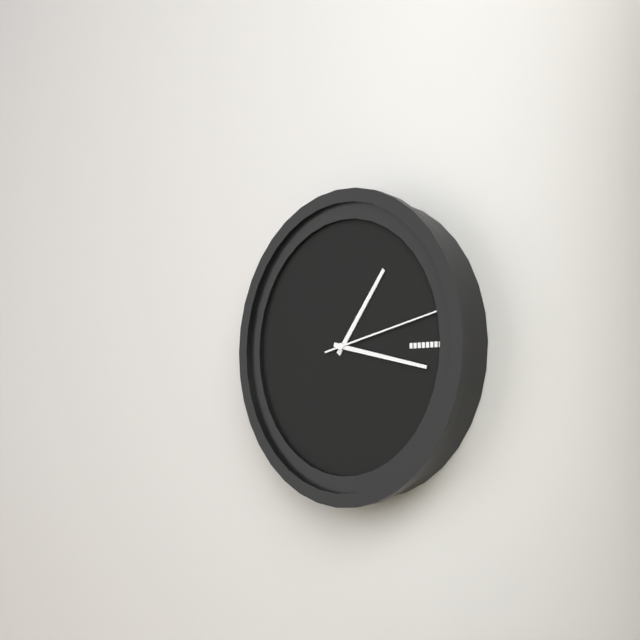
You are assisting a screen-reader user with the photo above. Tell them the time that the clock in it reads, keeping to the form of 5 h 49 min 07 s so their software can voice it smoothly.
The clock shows 1 h 17 min 13 s
